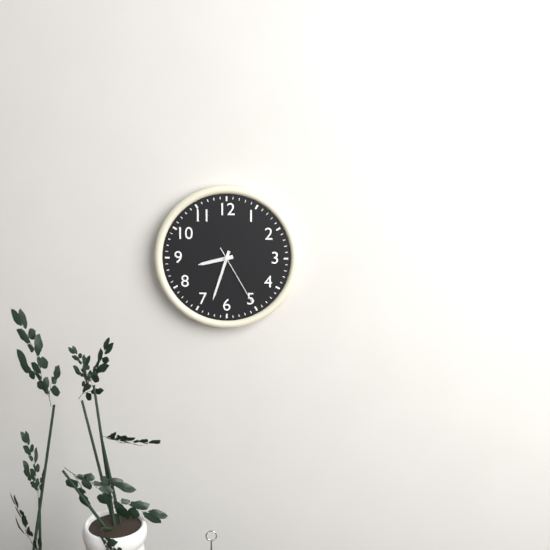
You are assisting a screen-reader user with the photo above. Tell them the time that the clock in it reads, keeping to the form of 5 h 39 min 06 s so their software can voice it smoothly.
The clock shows 8 h 33 min 25 s
